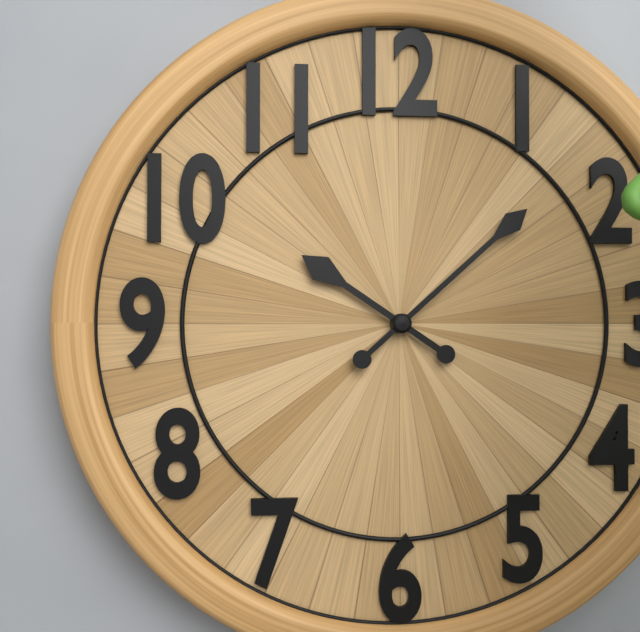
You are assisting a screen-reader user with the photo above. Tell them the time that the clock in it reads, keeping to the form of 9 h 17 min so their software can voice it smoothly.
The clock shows 10 h 08 min
